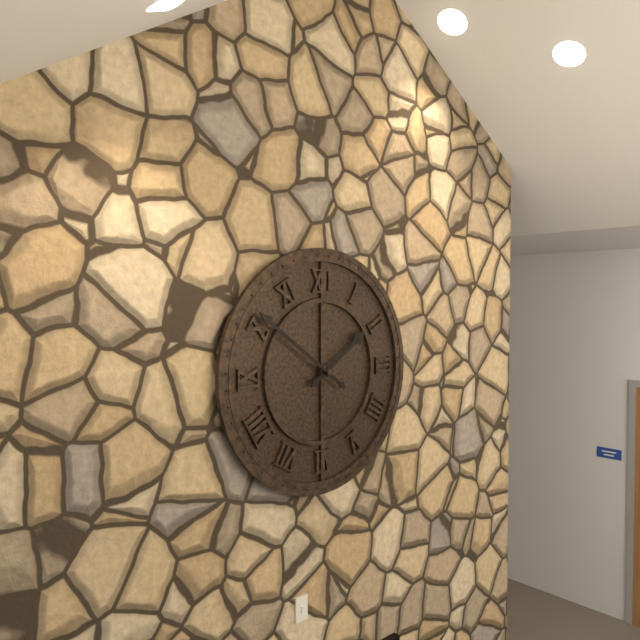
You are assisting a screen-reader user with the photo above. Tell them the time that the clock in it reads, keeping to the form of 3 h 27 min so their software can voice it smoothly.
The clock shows 1 h 51 min
